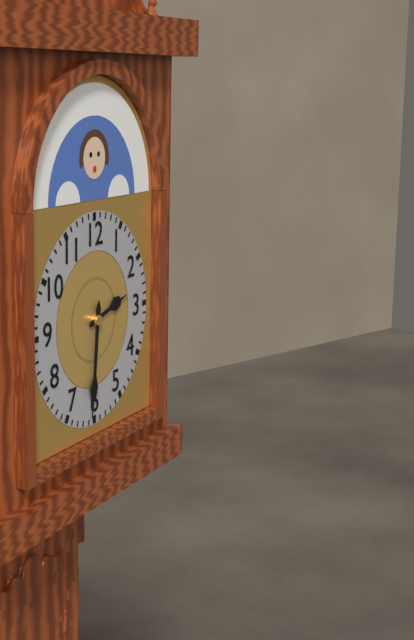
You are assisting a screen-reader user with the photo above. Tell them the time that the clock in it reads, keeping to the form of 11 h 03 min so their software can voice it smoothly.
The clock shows 2 h 31 min
